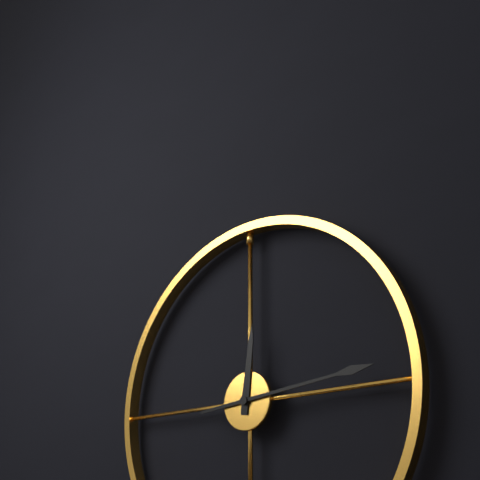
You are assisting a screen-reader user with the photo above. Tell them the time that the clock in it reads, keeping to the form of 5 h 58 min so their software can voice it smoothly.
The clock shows 12 h 14 min
